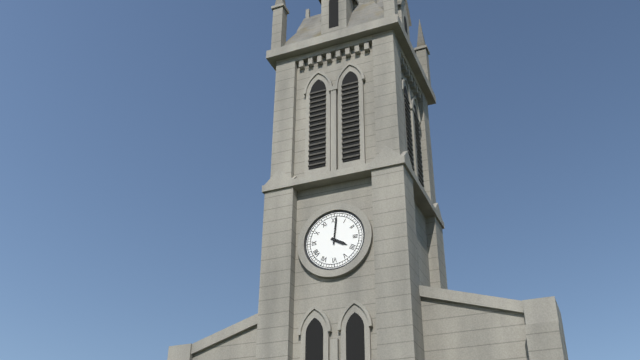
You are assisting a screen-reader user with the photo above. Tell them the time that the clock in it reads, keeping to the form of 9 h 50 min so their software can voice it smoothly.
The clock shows 4 h 01 min
